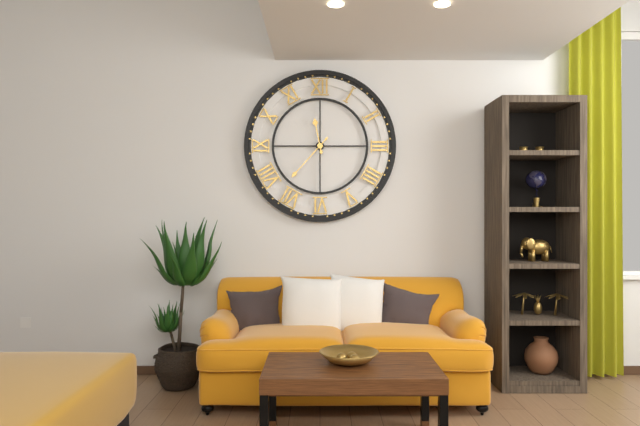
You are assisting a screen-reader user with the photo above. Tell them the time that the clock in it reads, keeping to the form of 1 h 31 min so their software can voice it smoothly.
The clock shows 11 h 37 min
